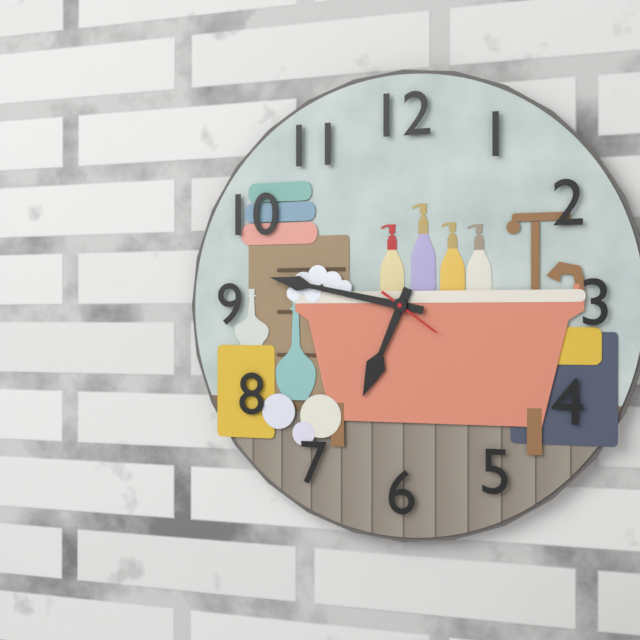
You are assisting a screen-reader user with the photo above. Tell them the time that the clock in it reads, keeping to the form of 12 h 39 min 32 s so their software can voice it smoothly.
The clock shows 6 h 47 min 21 s
